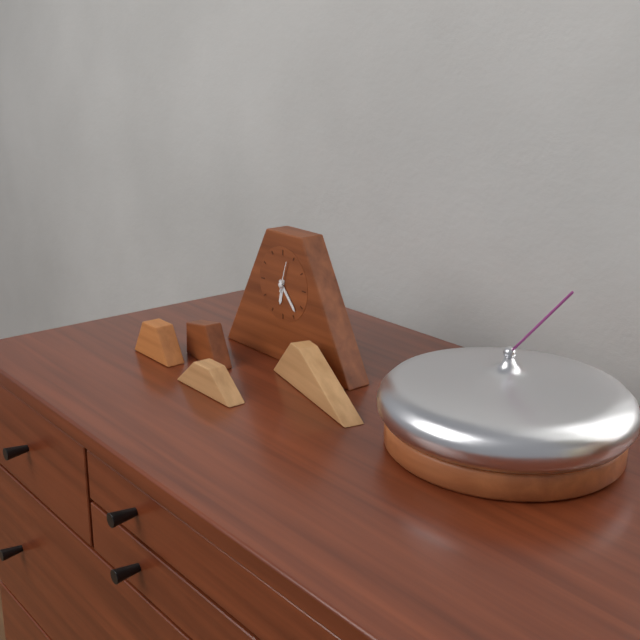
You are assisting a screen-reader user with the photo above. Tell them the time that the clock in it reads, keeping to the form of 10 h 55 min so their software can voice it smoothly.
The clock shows 6 h 23 min
